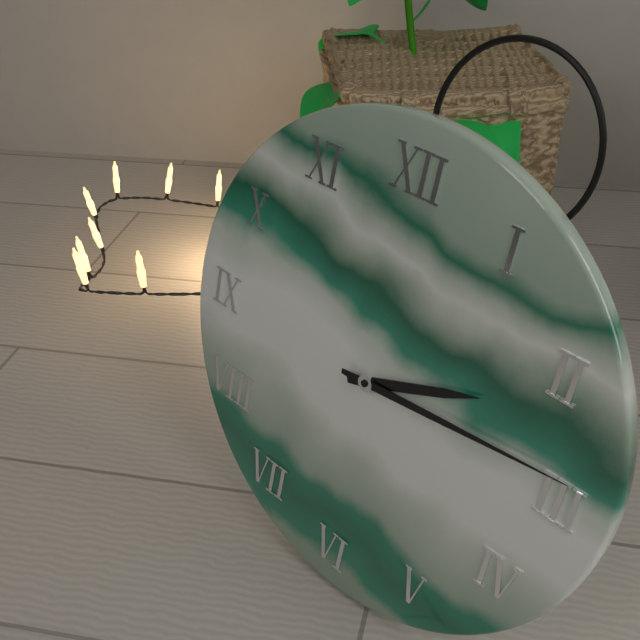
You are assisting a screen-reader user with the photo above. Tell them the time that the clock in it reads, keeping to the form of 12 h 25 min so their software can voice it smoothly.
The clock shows 2 h 14 min
